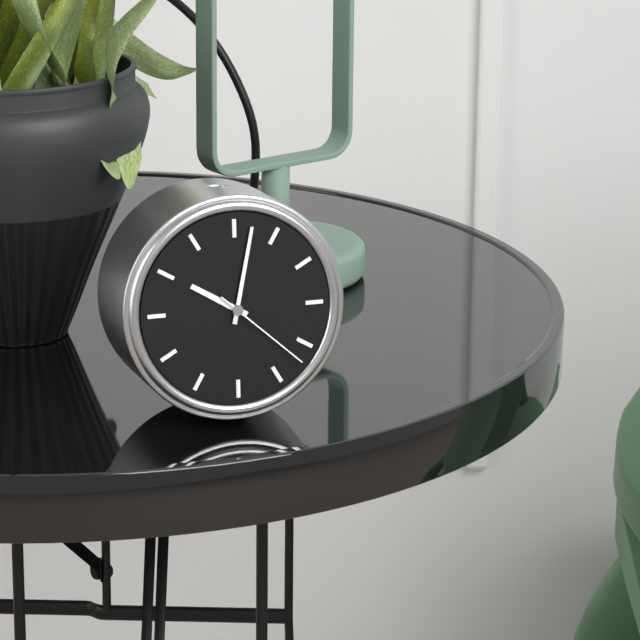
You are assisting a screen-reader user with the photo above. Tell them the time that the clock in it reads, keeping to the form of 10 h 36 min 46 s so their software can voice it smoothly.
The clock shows 10 h 02 min 22 s
